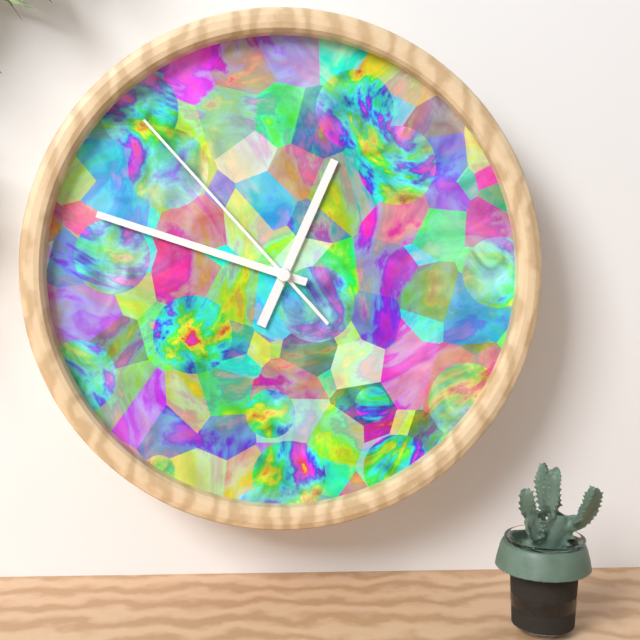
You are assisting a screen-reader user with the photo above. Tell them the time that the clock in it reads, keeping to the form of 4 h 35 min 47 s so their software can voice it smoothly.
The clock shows 12 h 48 min 53 s
